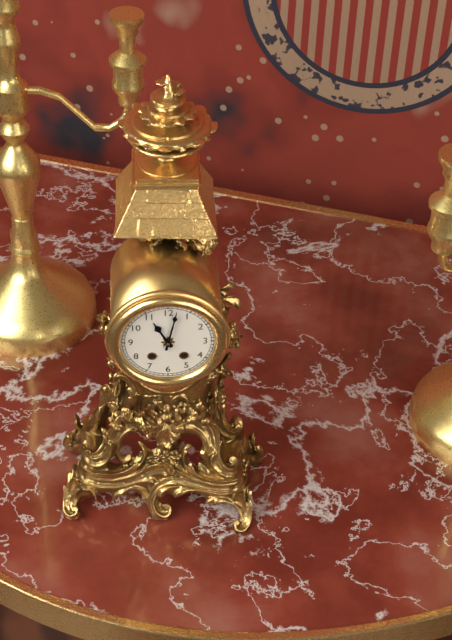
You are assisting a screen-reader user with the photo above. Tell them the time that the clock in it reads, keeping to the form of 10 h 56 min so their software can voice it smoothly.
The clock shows 11 h 02 min
